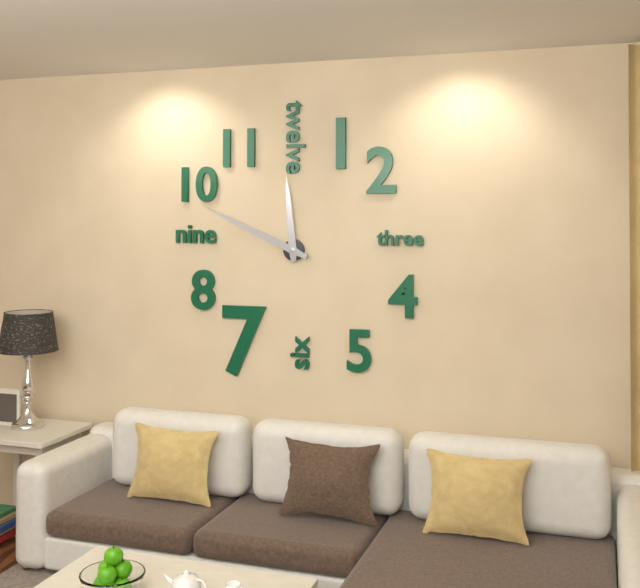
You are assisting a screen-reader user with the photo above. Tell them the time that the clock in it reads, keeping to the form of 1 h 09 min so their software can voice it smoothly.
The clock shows 11 h 49 min
